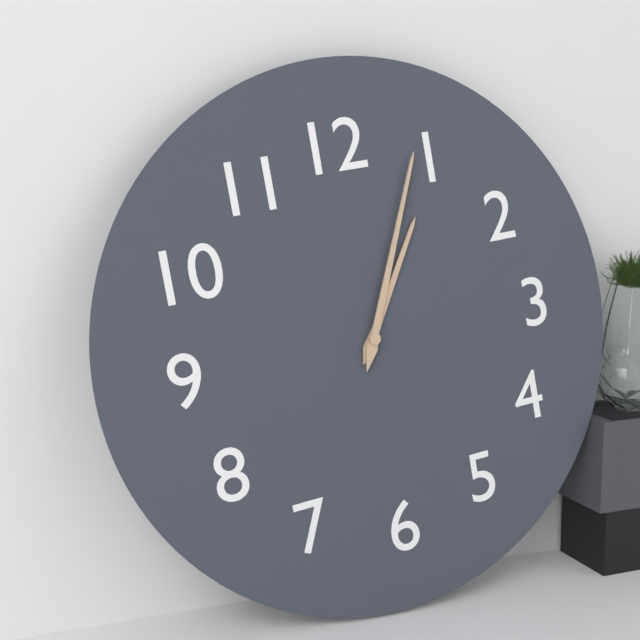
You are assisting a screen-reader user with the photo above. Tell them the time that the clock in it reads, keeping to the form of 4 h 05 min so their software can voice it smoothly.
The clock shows 1 h 04 min
